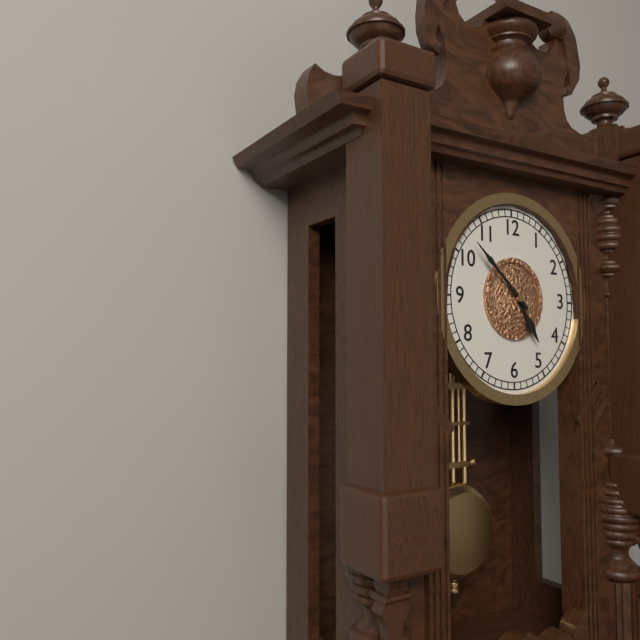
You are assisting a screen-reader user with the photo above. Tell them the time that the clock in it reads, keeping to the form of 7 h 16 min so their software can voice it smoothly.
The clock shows 4 h 52 min
